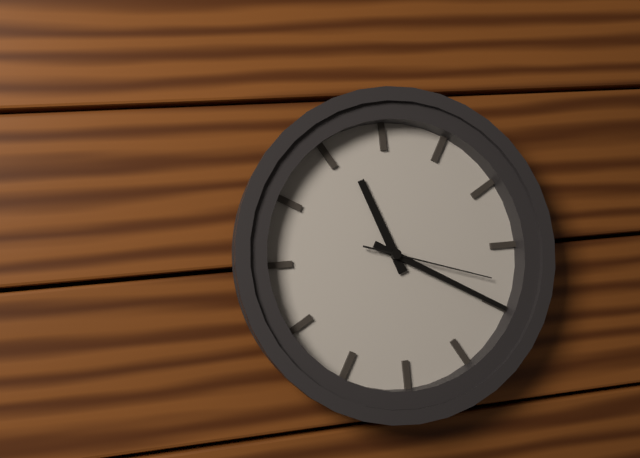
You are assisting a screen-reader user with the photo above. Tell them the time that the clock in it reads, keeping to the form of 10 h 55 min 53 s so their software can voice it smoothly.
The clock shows 11 h 20 min 18 s
